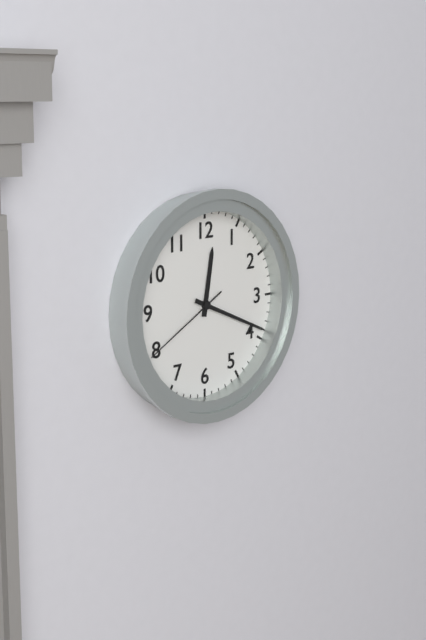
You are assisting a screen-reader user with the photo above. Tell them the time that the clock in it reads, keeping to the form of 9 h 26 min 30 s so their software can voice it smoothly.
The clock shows 12 h 19 min 40 s
